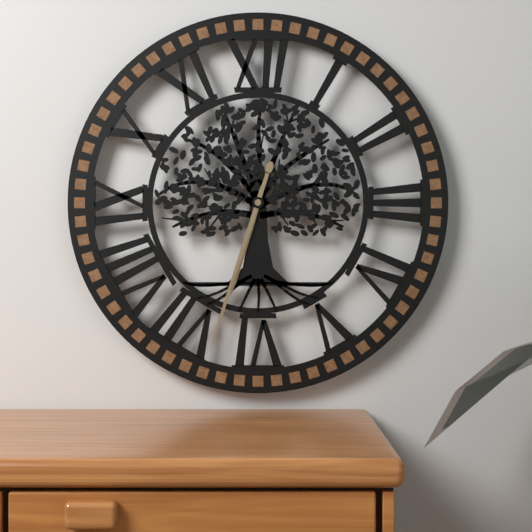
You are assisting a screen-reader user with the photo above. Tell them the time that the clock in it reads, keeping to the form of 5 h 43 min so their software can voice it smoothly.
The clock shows 6 h 33 min
